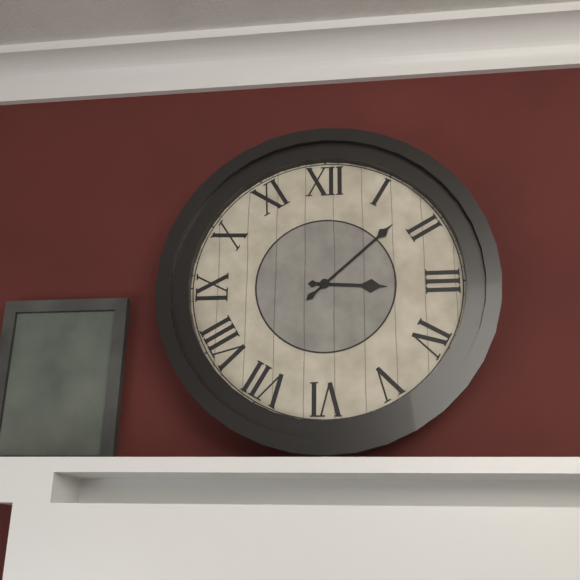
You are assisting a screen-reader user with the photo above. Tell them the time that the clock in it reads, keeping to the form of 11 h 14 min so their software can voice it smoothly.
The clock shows 3 h 08 min
